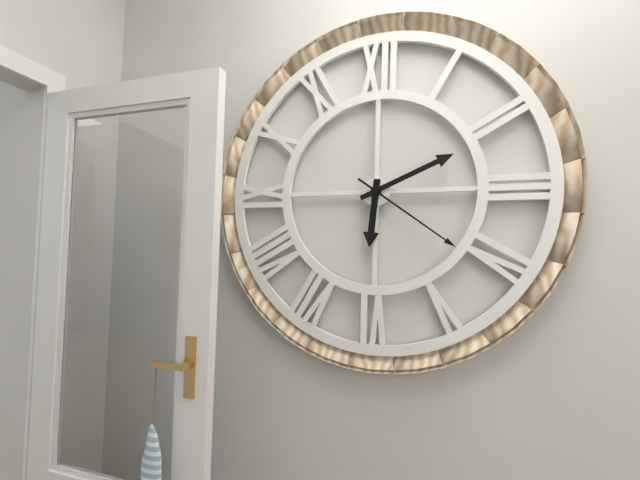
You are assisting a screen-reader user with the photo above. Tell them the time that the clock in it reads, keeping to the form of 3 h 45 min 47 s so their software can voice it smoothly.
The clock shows 6 h 11 min 21 s
